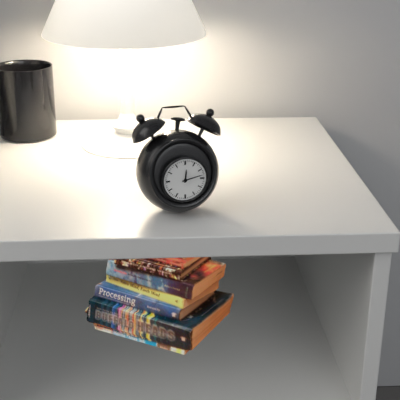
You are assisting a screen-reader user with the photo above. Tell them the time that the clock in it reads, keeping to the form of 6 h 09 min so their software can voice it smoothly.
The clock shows 12 h 13 min
